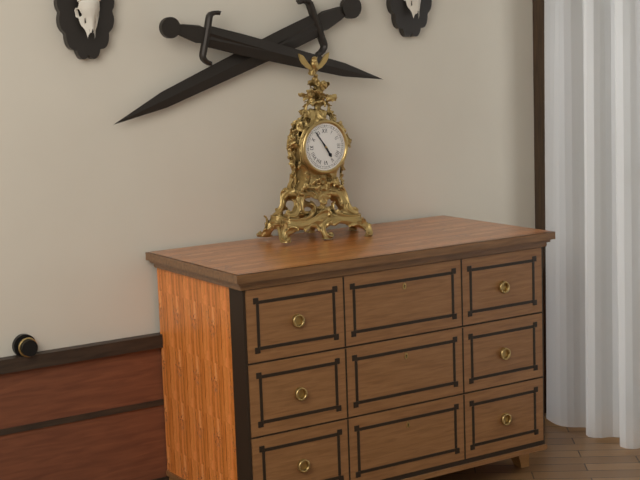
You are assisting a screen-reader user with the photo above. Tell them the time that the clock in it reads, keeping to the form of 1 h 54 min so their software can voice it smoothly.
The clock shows 4 h 54 min
